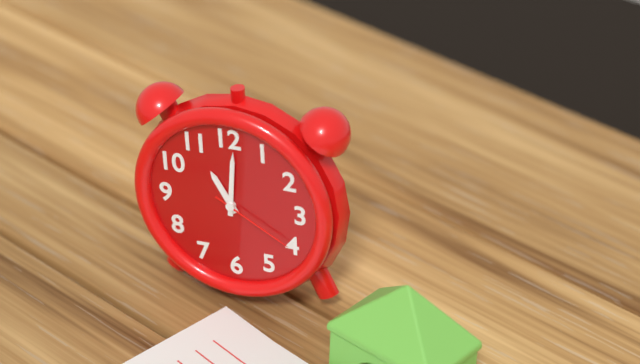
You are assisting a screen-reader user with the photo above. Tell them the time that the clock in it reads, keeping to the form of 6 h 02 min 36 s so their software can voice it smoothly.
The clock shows 11 h 01 min 20 s
